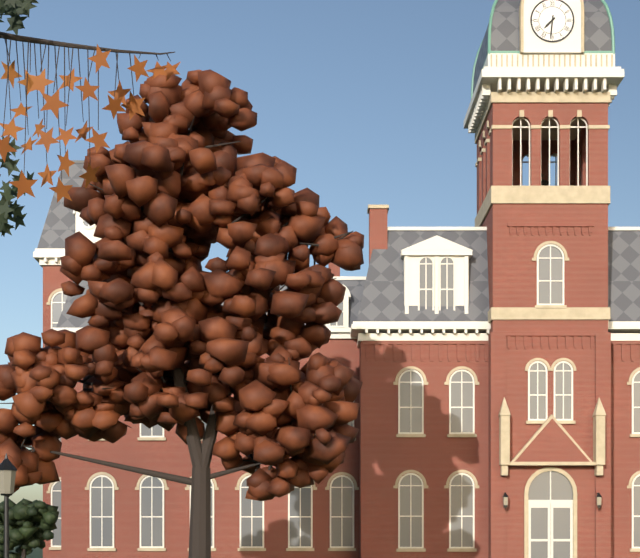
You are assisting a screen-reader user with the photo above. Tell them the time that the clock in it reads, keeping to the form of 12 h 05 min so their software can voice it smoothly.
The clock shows 7 h 31 min
